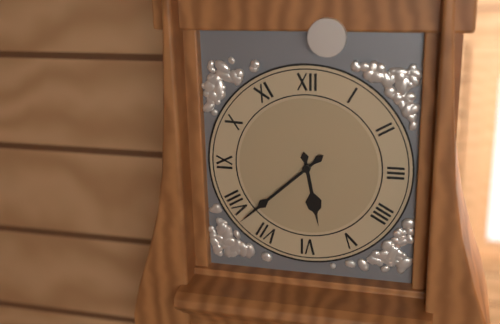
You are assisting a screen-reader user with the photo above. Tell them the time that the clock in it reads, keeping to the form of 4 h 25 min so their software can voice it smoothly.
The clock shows 5 h 38 min
